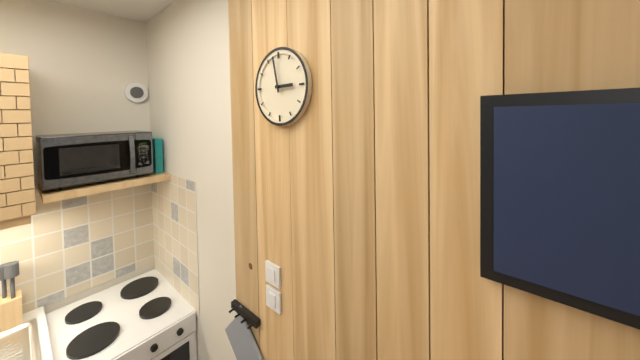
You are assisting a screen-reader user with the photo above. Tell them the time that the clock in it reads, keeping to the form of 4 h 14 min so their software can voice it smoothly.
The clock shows 2 h 58 min
